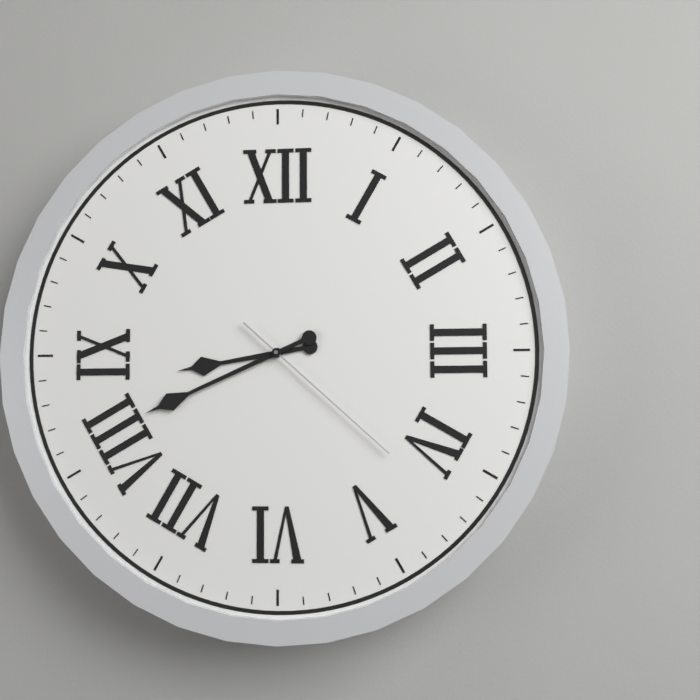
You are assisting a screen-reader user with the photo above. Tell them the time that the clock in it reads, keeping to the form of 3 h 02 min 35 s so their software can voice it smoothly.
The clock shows 8 h 41 min 22 s
